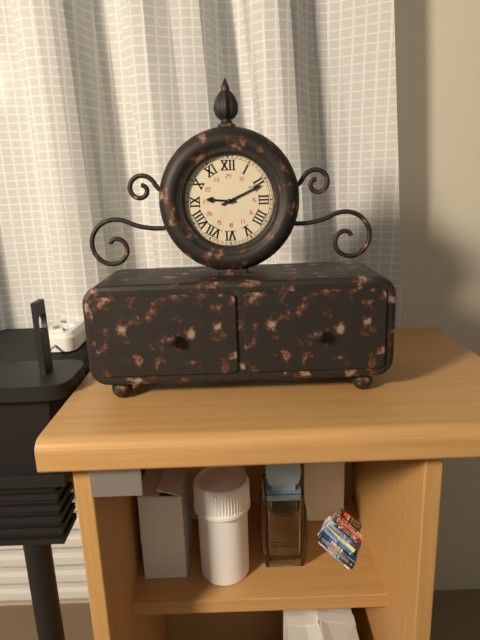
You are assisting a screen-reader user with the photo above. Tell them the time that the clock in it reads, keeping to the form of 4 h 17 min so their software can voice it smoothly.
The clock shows 9 h 11 min
